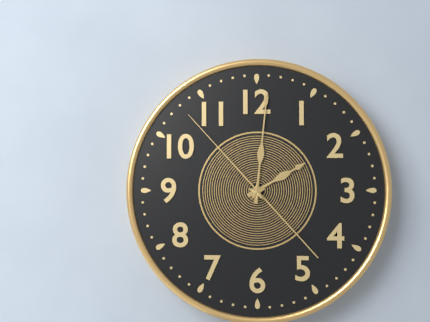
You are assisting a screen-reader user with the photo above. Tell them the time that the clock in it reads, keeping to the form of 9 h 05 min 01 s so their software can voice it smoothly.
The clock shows 2 h 01 min 53 s
